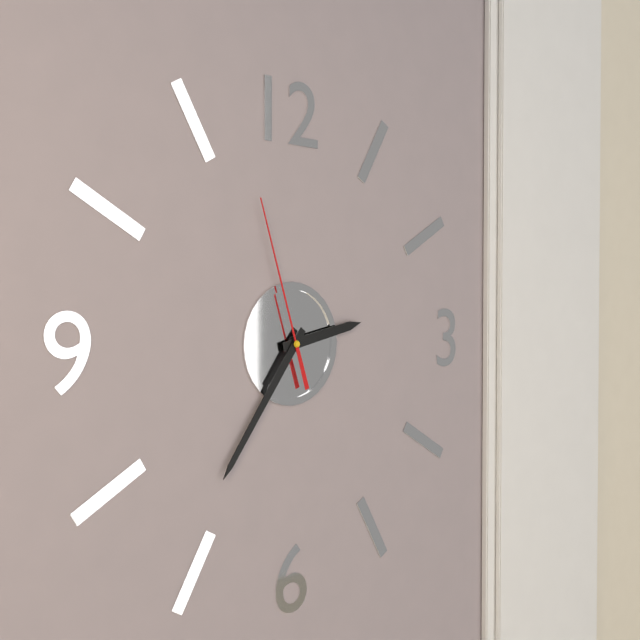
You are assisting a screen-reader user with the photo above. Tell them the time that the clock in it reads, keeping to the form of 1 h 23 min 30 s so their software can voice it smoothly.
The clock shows 2 h 36 min 57 s
